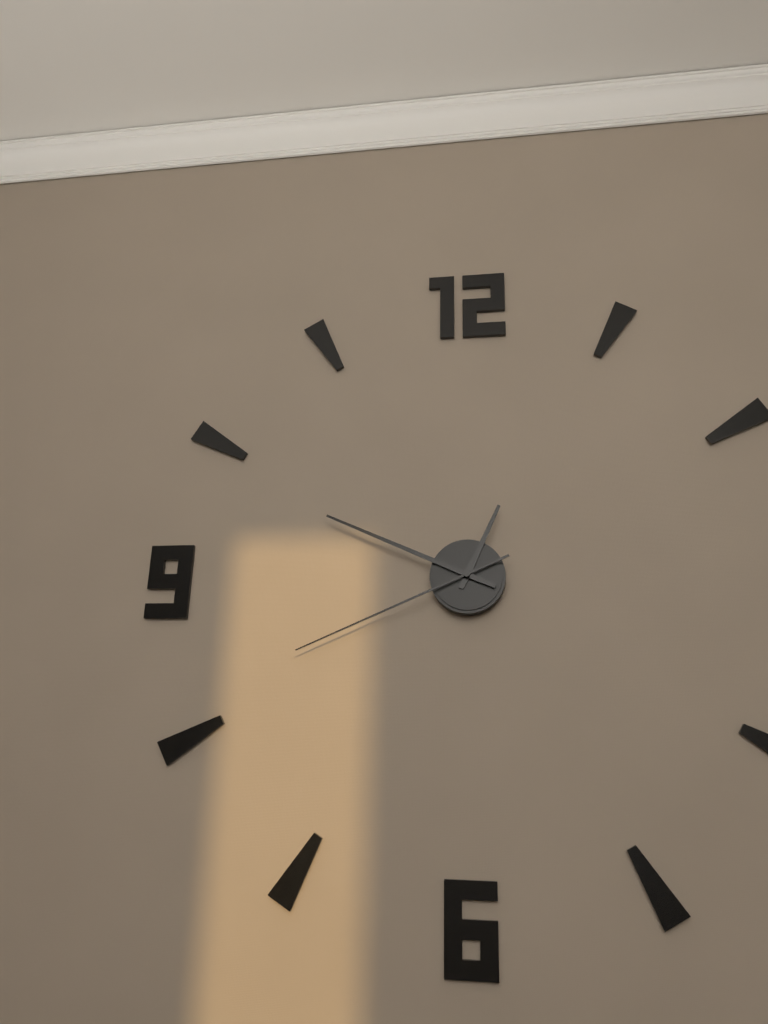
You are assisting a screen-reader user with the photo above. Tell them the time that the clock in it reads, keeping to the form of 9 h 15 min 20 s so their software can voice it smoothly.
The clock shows 12 h 49 min 41 s
